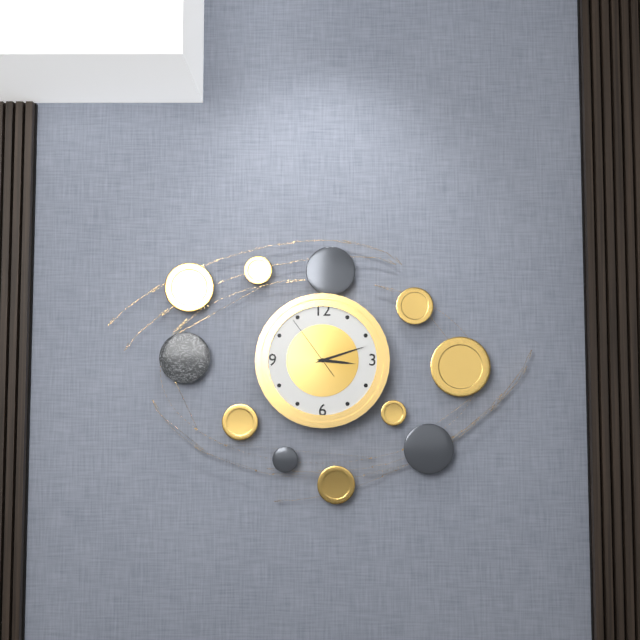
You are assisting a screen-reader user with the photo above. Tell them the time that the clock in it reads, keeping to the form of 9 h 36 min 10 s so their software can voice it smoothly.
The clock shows 3 h 12 min 54 s
